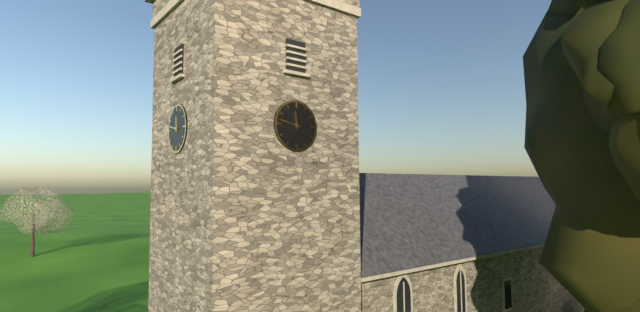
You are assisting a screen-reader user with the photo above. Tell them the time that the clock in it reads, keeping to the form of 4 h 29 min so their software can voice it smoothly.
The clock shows 11 h 47 min
